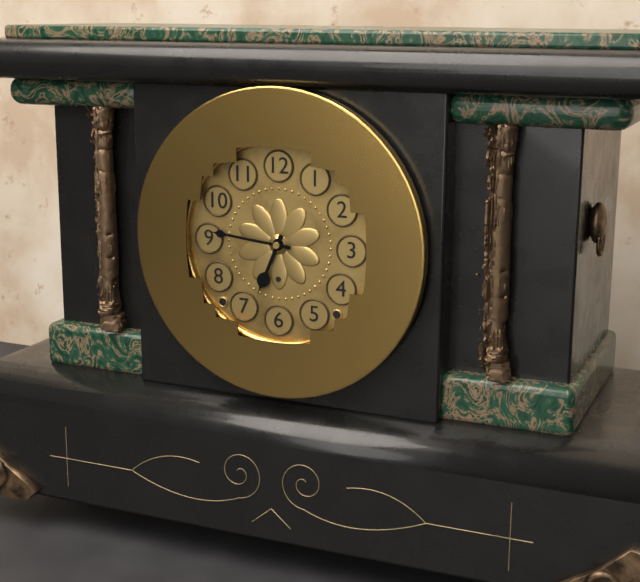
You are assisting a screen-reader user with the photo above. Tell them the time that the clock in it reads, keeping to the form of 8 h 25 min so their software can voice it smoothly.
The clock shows 6 h 46 min
